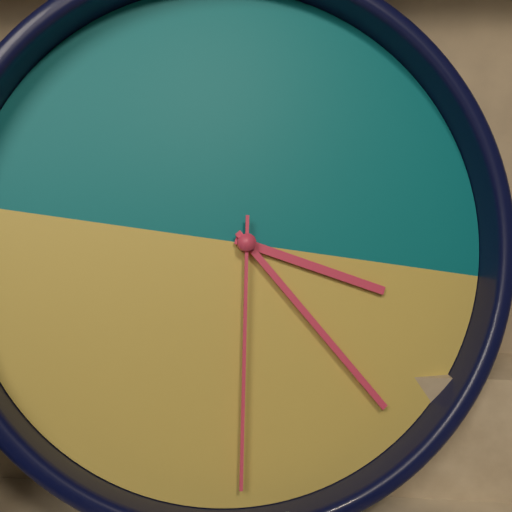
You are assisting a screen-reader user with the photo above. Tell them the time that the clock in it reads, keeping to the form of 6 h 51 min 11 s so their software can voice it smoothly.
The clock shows 3 h 22 min 29 s
